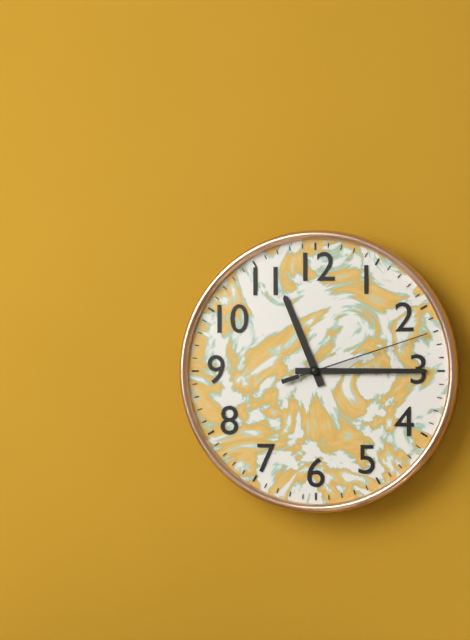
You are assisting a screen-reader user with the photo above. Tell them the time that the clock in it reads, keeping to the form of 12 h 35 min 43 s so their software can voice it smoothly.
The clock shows 11 h 15 min 12 s
